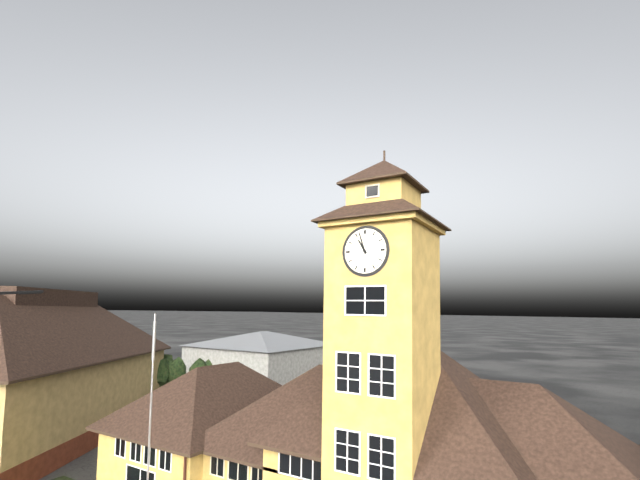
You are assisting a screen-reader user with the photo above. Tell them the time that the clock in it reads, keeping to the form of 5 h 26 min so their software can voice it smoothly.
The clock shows 10 h 57 min
